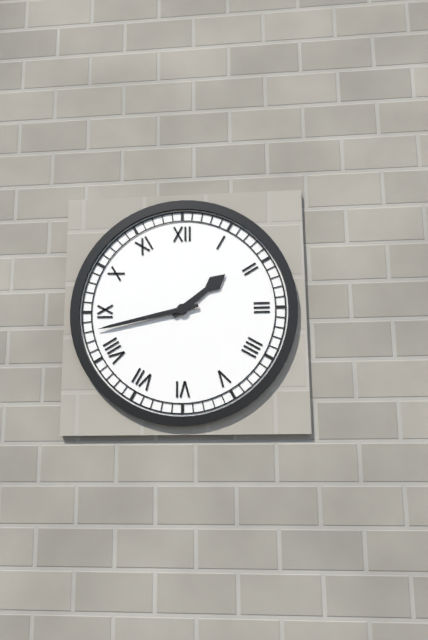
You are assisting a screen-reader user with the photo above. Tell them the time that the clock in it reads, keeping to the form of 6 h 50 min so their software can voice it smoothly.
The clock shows 1 h 43 min
